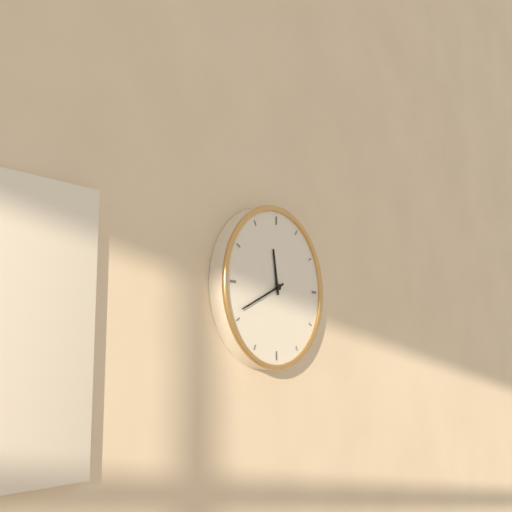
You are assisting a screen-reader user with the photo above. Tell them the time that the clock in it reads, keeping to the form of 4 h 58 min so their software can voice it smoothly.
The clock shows 11 h 41 min
